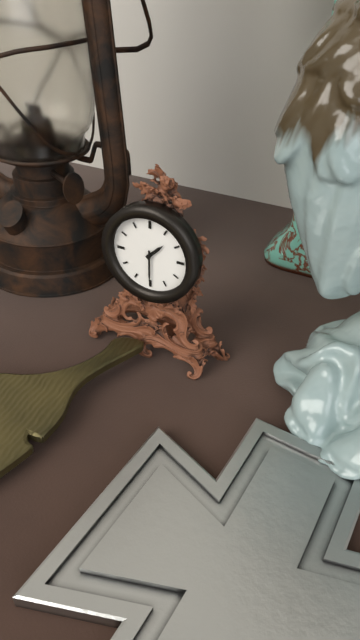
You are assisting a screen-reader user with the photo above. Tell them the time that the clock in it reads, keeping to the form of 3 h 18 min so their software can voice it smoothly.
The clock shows 1 h 30 min
